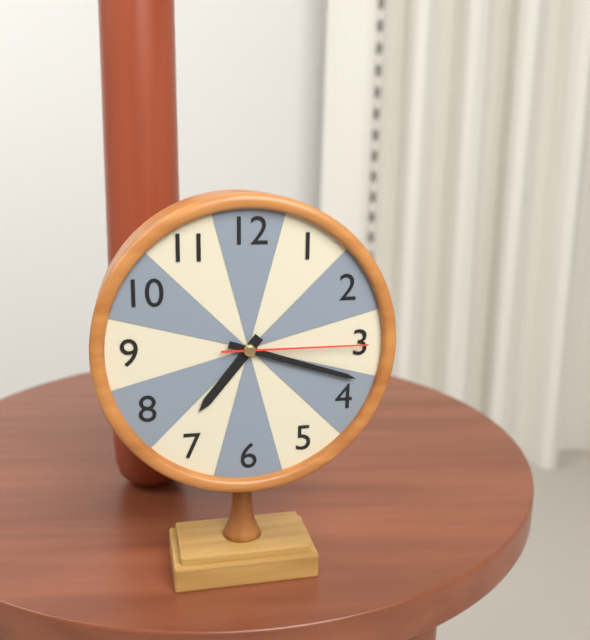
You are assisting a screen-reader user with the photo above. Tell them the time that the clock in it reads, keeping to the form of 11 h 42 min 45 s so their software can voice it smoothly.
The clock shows 7 h 18 min 15 s
